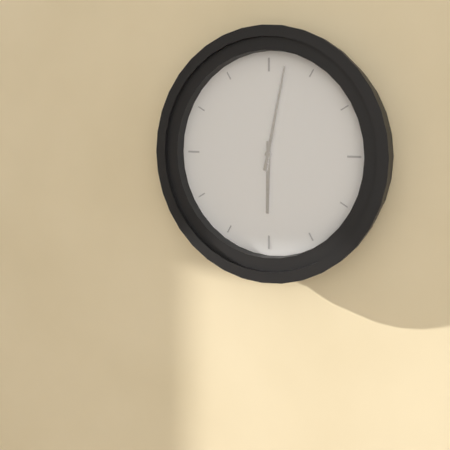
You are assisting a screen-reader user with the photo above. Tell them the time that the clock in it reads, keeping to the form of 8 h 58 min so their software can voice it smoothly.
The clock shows 6 h 02 min
